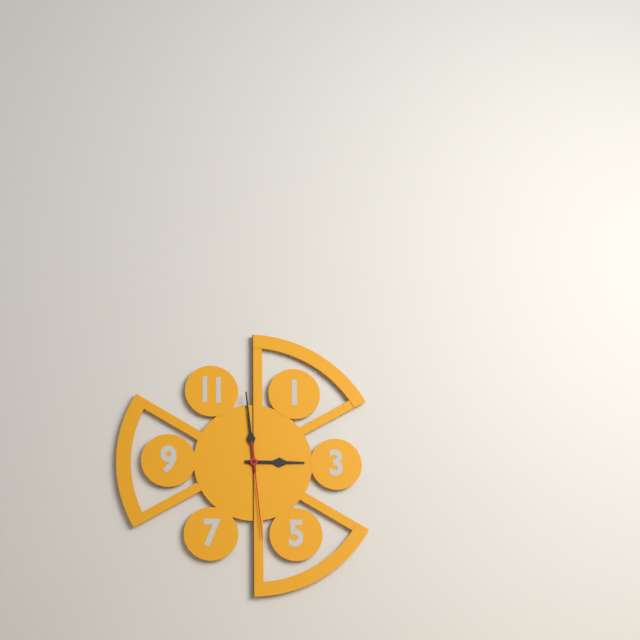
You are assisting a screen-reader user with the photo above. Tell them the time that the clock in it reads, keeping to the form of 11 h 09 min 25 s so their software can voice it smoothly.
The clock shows 2 h 59 min 29 s
